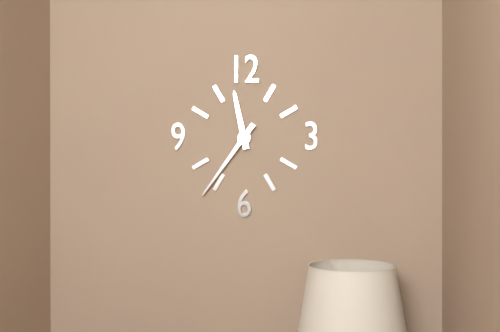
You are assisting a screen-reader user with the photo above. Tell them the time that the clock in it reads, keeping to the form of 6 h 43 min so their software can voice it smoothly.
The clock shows 11 h 36 min
